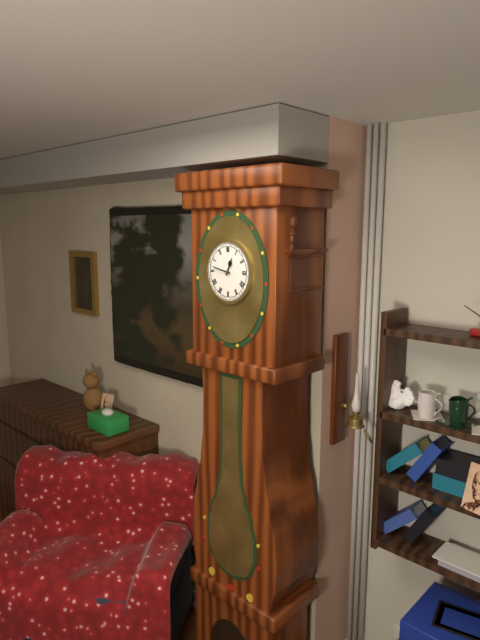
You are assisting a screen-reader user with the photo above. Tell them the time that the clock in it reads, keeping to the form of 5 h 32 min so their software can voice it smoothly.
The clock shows 12 h 47 min
